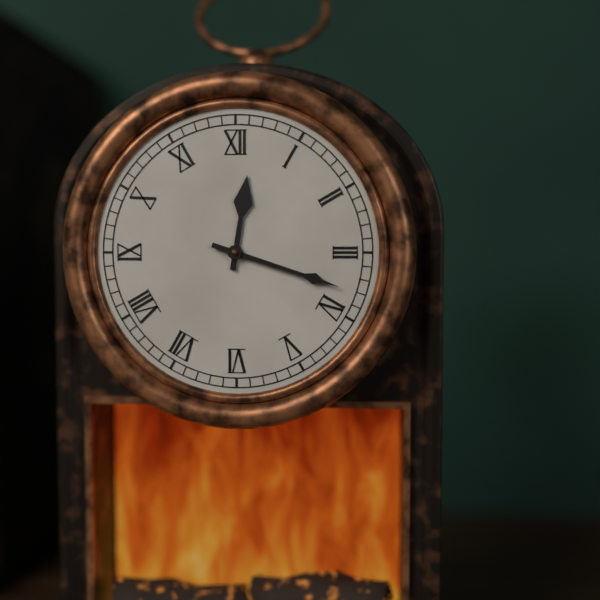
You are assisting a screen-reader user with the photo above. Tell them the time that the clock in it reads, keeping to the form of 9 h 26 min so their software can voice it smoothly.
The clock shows 12 h 18 min
